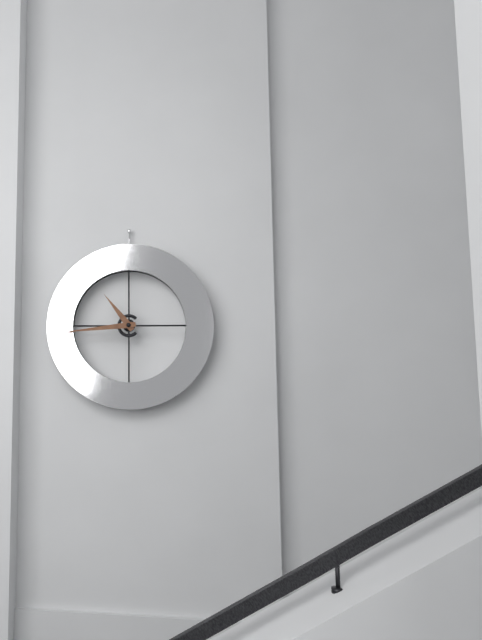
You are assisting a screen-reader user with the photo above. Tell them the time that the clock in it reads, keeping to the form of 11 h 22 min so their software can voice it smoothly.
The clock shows 10 h 44 min
